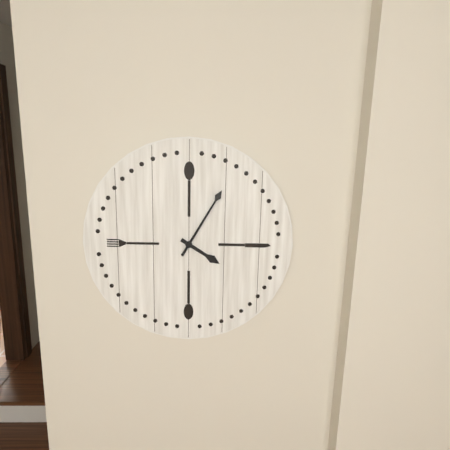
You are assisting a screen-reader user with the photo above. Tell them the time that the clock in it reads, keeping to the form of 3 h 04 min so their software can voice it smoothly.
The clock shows 4 h 05 min
